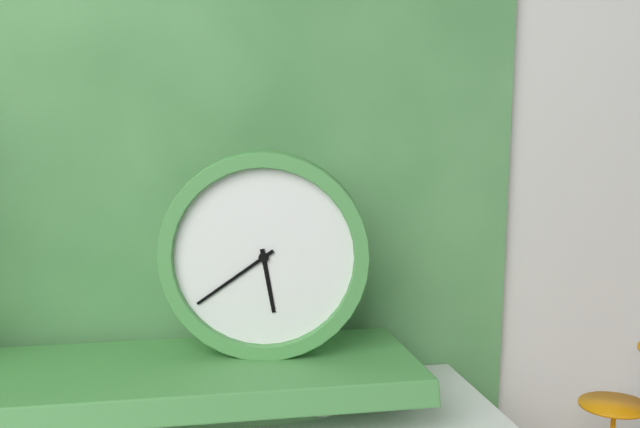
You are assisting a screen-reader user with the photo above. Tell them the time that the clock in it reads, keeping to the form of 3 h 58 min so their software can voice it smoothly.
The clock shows 5 h 39 min
